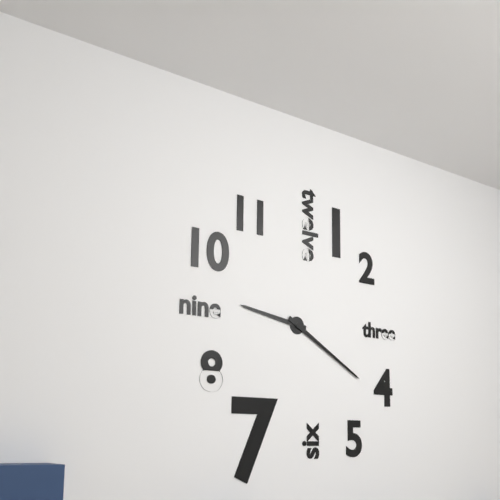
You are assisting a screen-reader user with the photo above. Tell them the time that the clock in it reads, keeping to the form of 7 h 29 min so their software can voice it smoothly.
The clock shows 9 h 20 min
